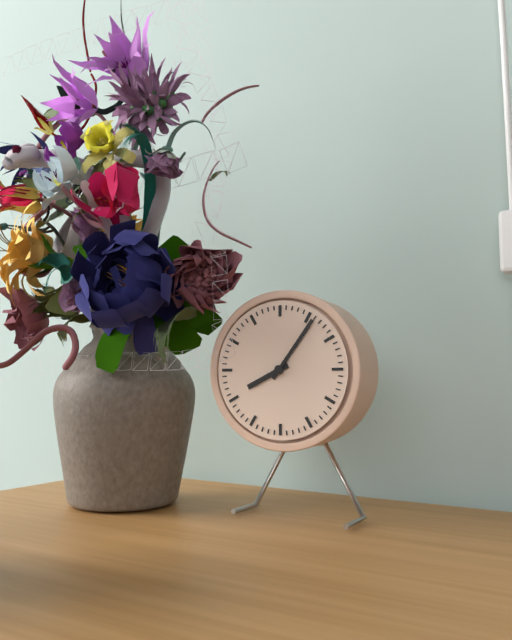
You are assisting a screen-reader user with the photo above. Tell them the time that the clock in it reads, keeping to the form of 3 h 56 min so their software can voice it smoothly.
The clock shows 8 h 06 min
